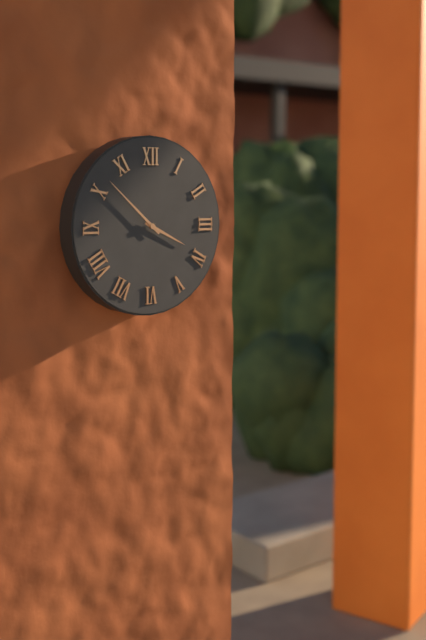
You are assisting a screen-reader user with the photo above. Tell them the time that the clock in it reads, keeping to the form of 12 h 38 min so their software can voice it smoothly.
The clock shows 3 h 52 min
